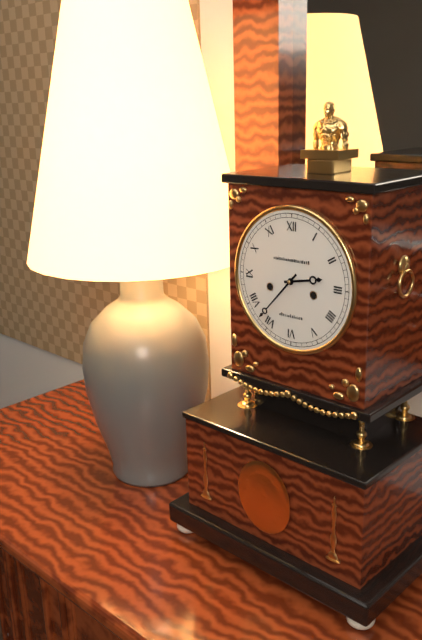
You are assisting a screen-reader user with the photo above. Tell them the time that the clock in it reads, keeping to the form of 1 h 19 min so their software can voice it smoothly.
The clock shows 2 h 37 min
